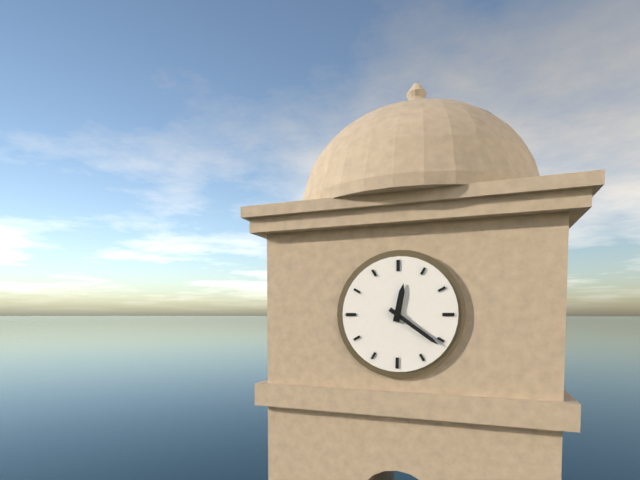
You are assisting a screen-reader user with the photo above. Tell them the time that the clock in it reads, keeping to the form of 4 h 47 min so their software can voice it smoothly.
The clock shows 12 h 21 min
